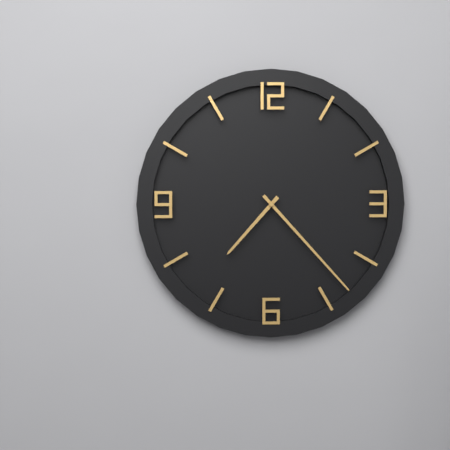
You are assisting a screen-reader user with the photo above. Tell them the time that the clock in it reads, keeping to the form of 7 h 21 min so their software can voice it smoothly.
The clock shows 7 h 23 min
